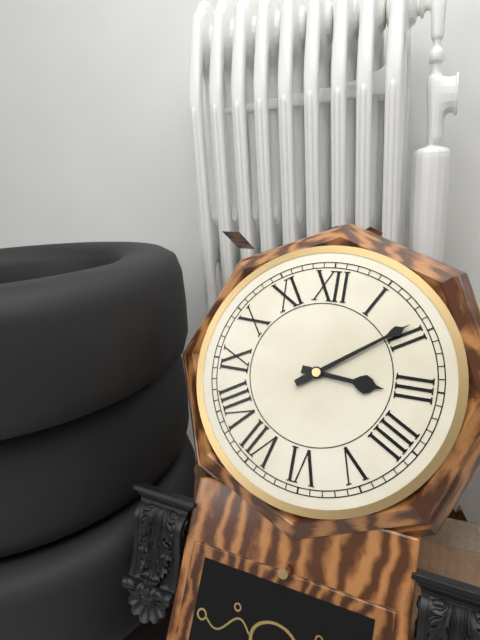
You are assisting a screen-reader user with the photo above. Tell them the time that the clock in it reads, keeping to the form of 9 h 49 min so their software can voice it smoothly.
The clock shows 3 h 09 min
